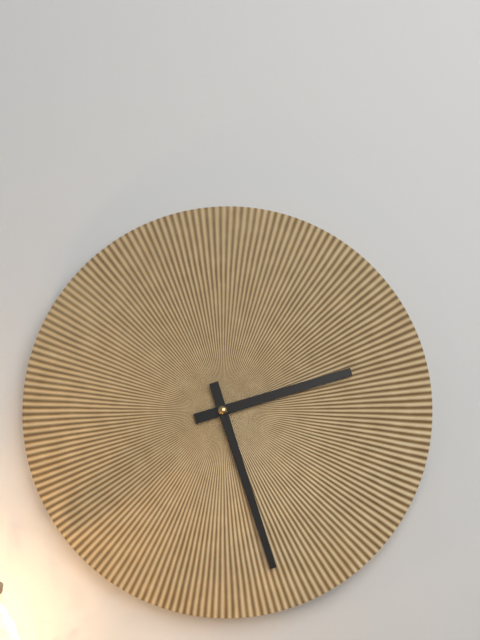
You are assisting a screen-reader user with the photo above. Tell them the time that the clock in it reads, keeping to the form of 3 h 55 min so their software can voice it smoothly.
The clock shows 2 h 27 min
